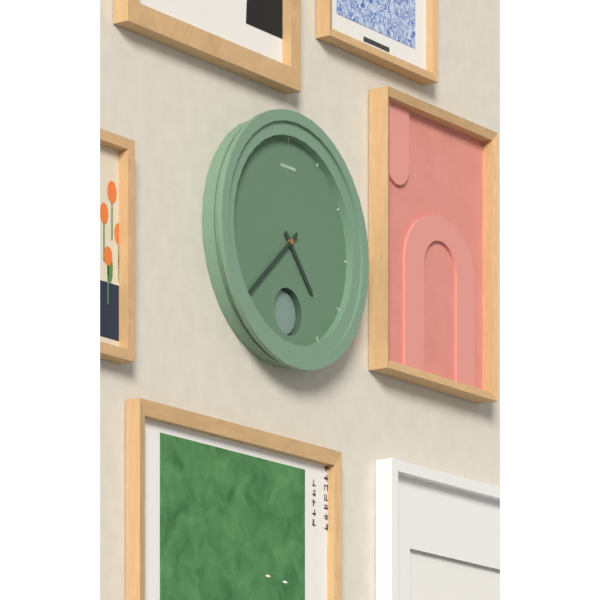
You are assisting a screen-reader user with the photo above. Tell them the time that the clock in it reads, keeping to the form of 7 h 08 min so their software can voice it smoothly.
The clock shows 4 h 38 min
